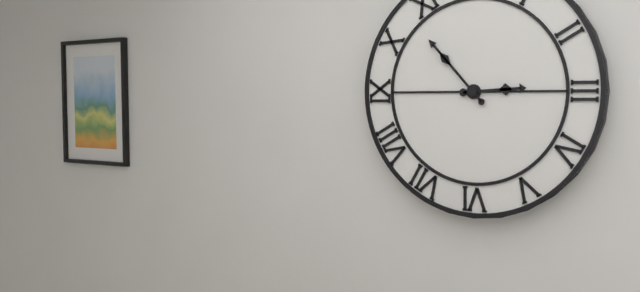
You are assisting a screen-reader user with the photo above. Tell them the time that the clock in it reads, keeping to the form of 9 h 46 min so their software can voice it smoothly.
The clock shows 2 h 53 min
